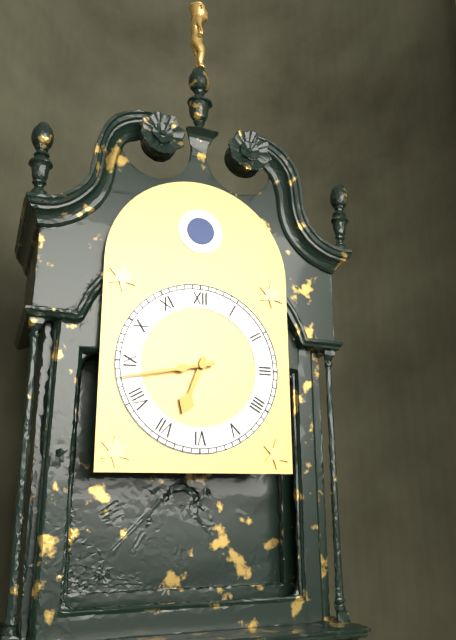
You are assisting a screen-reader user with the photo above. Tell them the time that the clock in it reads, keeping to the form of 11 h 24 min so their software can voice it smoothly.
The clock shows 6 h 43 min
